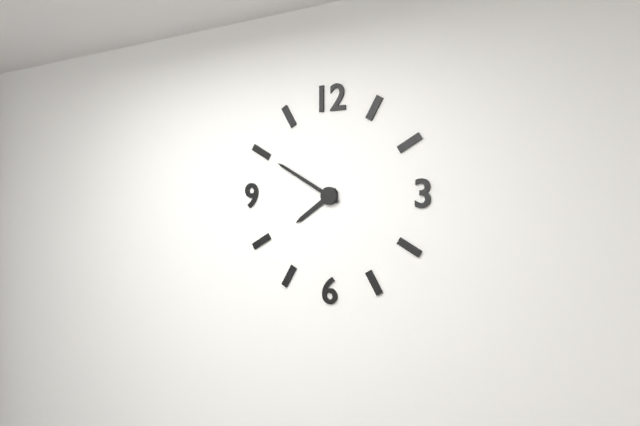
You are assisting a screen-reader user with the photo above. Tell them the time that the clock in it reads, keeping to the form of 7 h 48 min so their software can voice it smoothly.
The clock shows 7 h 50 min
